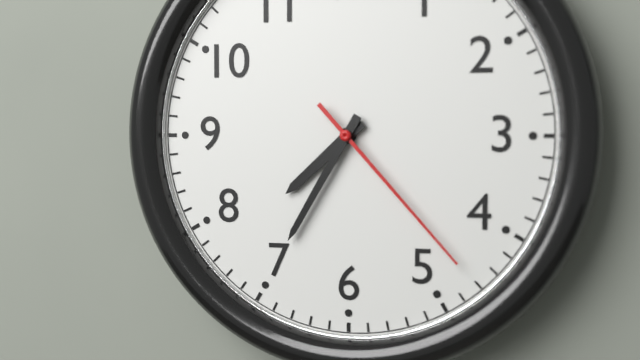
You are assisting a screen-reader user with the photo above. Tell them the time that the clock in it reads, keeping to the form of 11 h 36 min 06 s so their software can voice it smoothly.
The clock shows 7 h 35 min 23 s
